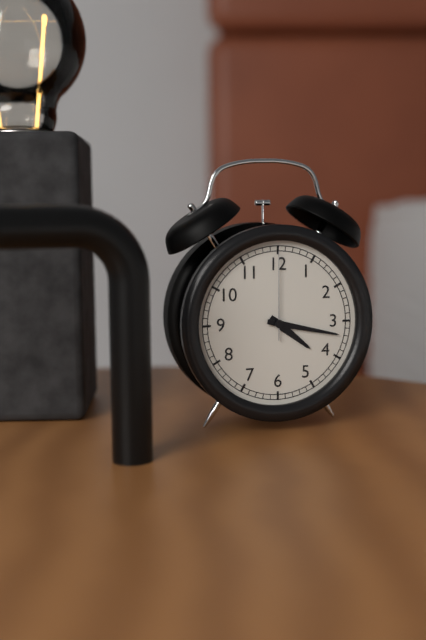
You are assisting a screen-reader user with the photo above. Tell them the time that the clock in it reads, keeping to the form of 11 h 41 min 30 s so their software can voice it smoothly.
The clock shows 4 h 17 min 00 s
